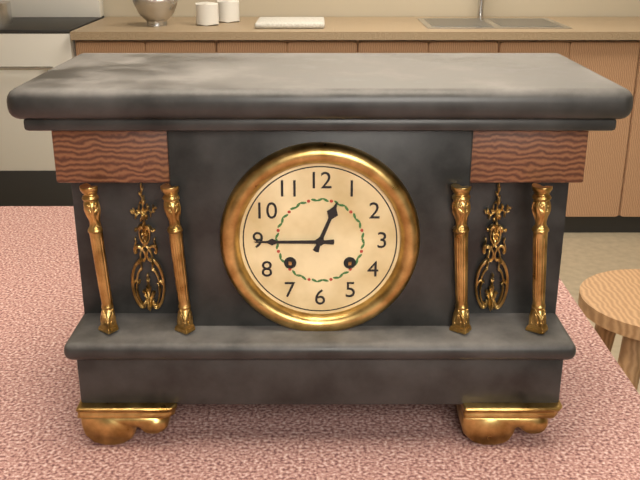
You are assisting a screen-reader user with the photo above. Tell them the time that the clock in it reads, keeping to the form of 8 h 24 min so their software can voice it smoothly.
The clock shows 12 h 45 min
